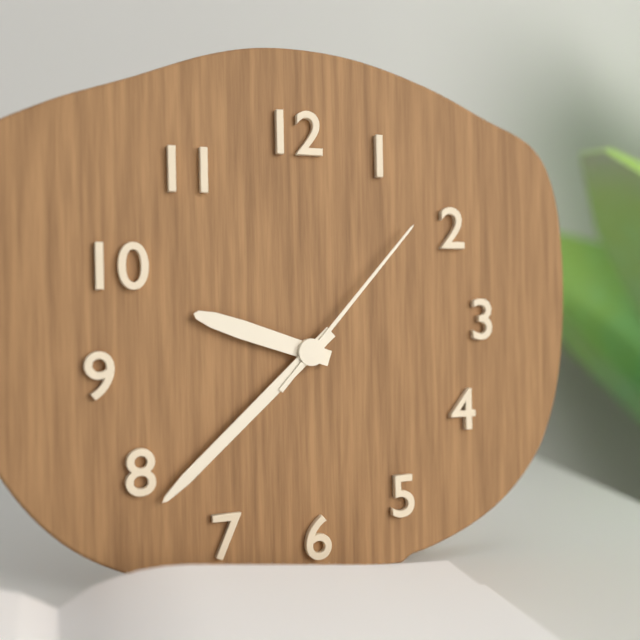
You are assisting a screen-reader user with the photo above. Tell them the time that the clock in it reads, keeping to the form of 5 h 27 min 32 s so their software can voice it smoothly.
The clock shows 9 h 38 min 07 s
